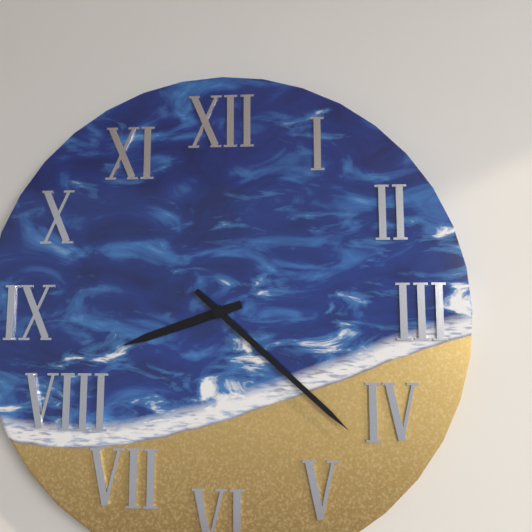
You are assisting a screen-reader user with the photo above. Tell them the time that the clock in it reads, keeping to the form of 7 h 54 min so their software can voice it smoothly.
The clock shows 8 h 22 min
